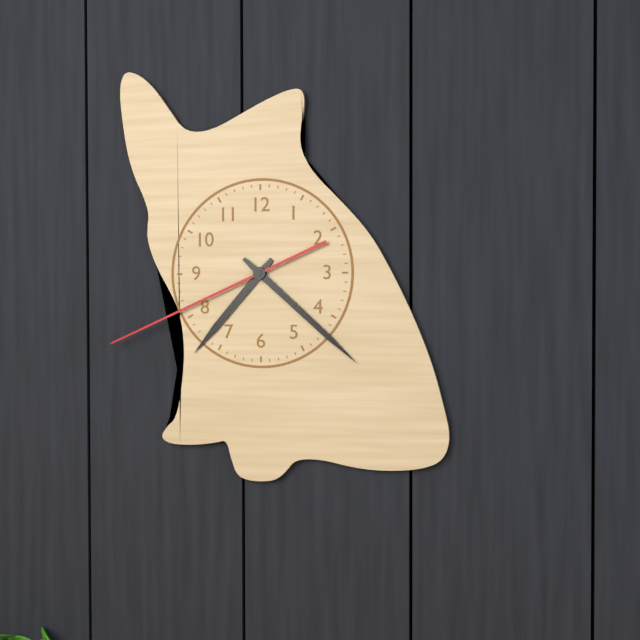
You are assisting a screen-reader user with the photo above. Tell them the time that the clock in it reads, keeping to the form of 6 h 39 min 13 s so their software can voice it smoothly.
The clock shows 7 h 22 min 41 s
